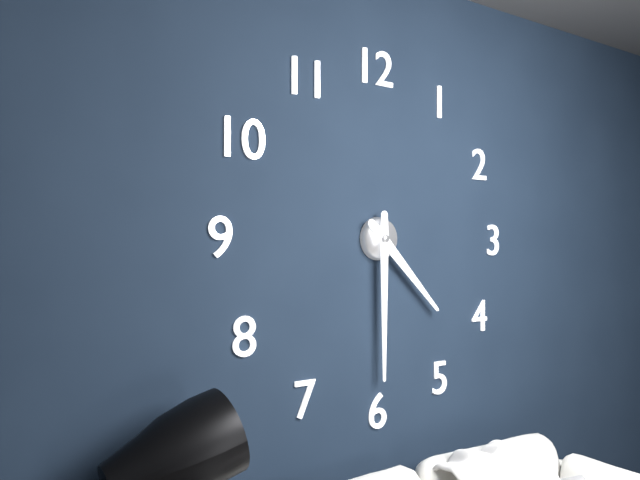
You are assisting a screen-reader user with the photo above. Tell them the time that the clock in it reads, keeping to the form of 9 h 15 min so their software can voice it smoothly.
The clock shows 4 h 30 min
